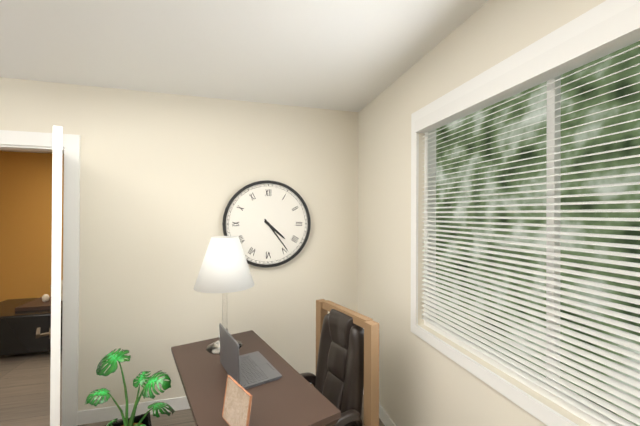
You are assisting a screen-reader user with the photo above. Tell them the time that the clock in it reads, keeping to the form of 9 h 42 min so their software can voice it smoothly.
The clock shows 4 h 24 min
